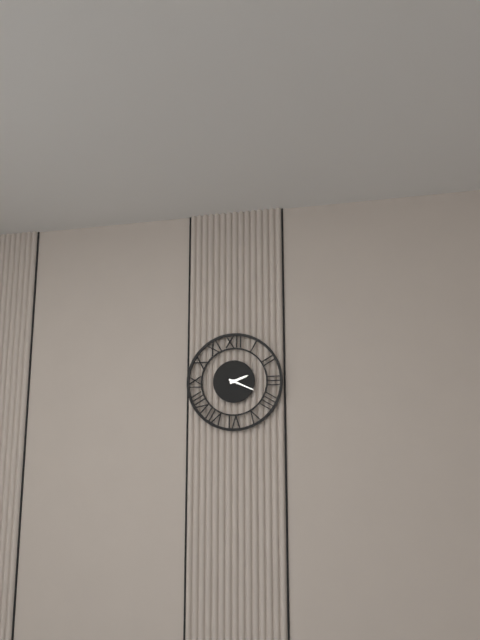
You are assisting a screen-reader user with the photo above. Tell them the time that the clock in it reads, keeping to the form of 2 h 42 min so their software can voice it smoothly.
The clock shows 2 h 19 min
